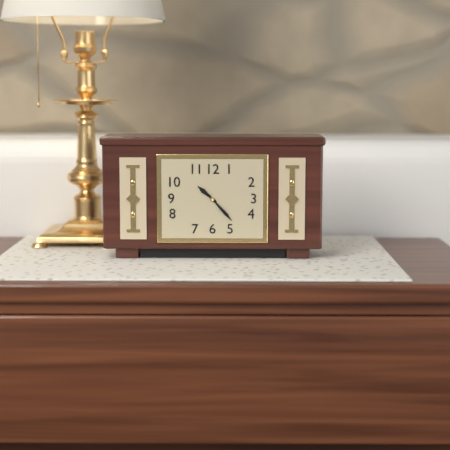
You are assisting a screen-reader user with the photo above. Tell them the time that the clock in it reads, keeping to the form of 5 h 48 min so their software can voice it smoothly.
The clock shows 10 h 23 min
